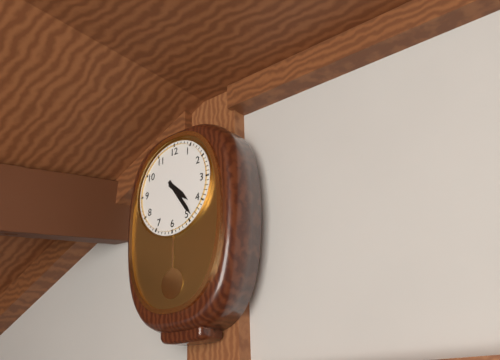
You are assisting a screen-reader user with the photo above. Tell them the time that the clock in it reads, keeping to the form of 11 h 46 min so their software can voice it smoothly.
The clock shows 4 h 24 min
